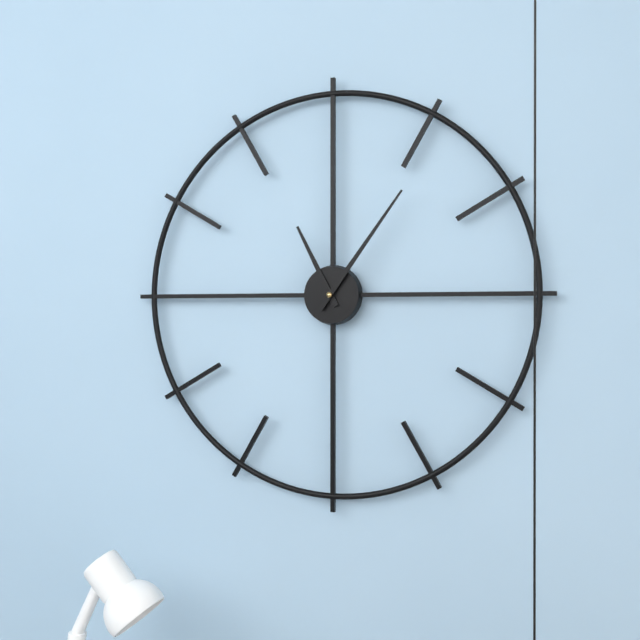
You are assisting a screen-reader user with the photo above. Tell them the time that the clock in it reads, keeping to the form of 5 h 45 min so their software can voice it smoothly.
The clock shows 11 h 06 min
